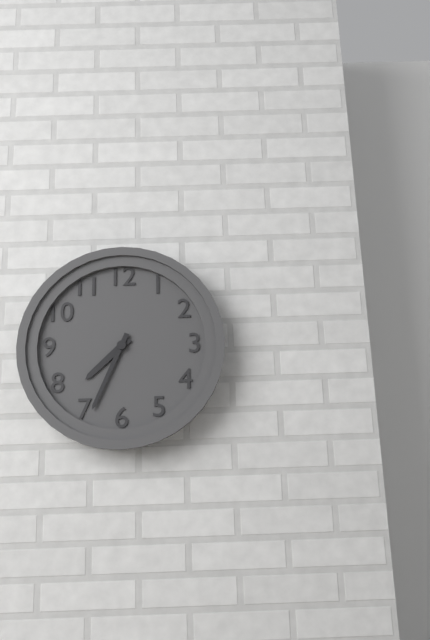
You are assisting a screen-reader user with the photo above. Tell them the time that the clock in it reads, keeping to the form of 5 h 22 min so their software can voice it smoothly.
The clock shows 7 h 34 min
